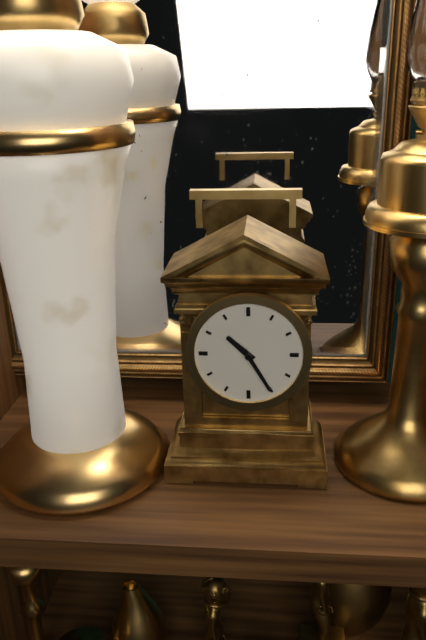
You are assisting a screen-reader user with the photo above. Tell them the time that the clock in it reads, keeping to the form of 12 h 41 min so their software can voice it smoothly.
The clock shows 10 h 25 min
